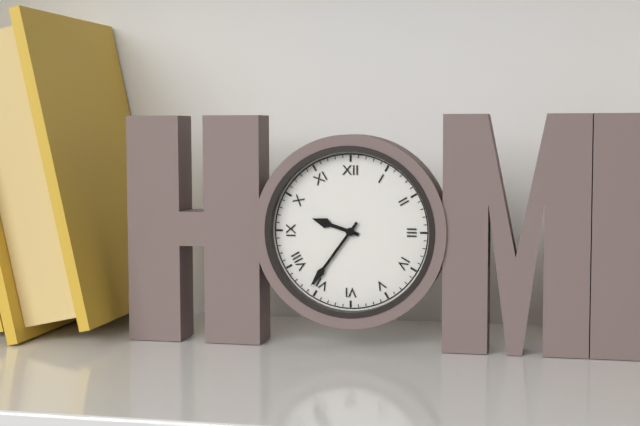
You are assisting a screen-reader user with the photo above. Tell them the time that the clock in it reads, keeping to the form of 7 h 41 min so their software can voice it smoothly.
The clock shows 9 h 36 min
